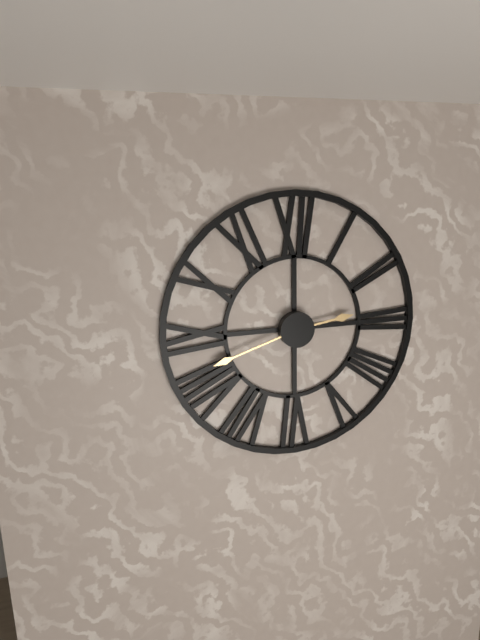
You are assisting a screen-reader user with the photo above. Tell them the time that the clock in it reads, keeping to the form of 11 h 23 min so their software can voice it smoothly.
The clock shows 2 h 42 min
